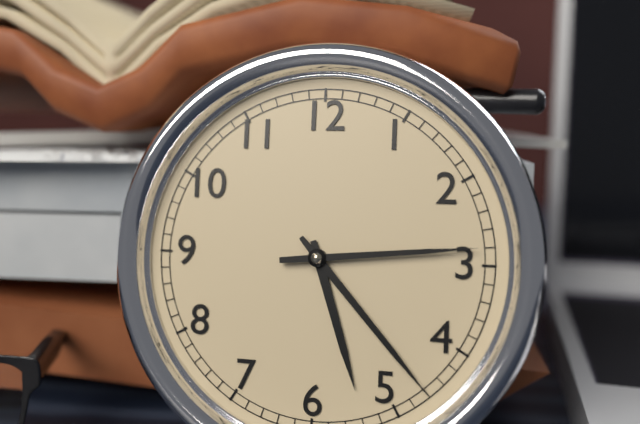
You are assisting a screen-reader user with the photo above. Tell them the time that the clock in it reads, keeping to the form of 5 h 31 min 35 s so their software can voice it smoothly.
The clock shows 5 h 23 min 14 s
